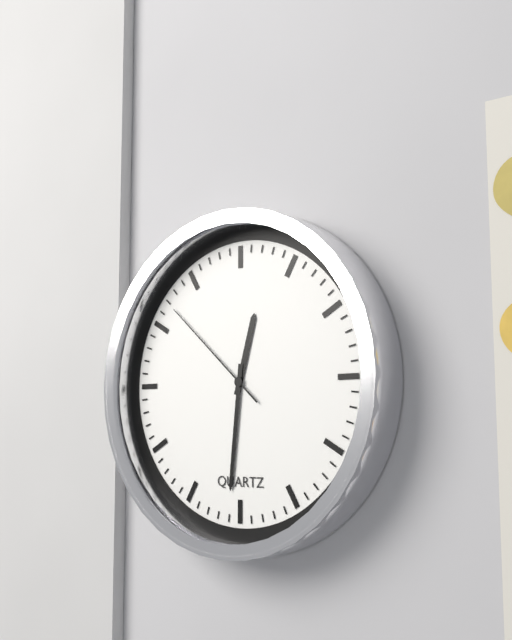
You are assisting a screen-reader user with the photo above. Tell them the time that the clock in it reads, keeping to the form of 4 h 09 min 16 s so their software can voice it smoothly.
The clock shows 12 h 31 min 52 s
